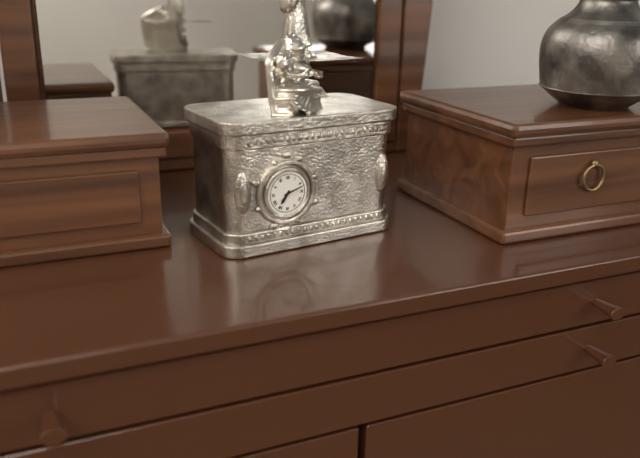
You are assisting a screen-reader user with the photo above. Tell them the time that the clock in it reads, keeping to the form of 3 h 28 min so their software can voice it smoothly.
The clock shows 7 h 12 min
